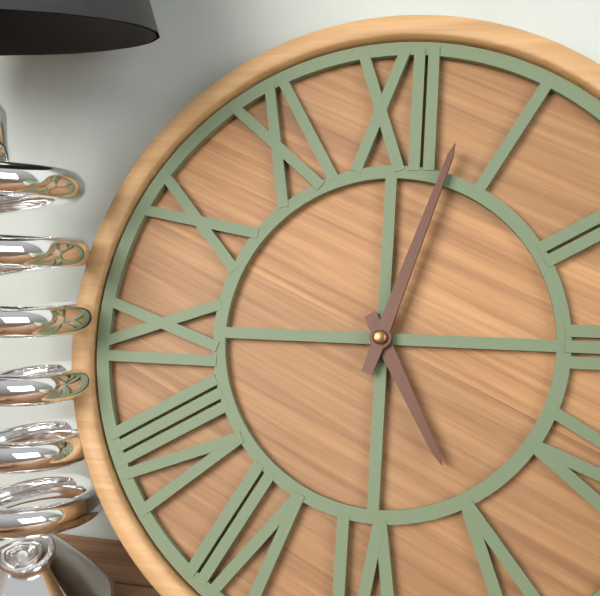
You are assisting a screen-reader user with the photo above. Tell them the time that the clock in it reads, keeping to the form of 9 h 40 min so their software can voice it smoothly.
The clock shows 5 h 03 min
